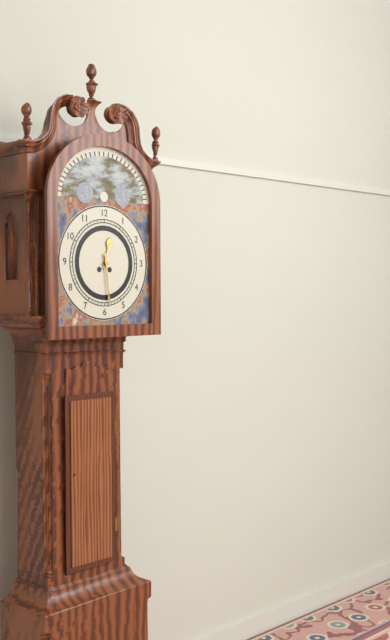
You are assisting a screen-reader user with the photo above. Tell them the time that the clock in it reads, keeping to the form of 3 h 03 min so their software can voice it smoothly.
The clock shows 12 h 29 min
